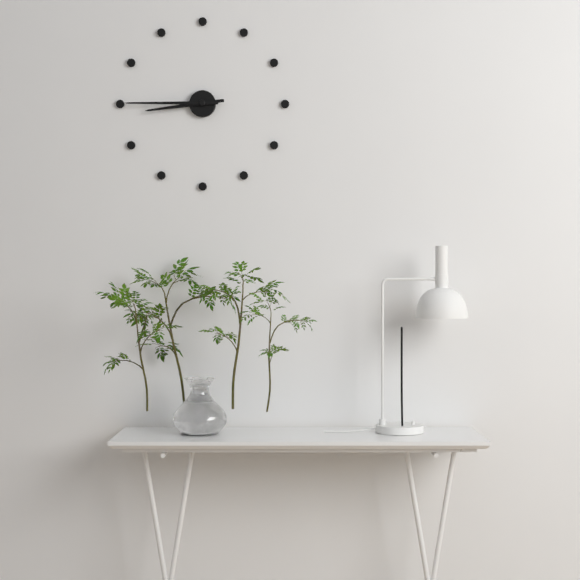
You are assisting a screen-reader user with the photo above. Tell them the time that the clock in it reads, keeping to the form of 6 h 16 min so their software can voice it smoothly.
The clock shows 8 h 45 min
